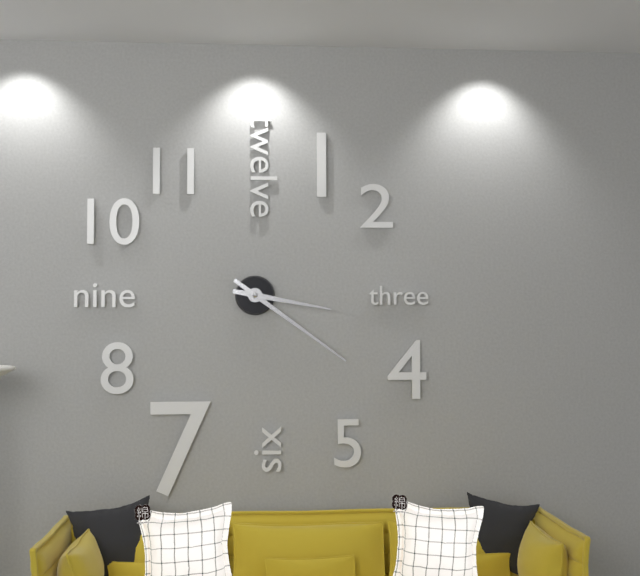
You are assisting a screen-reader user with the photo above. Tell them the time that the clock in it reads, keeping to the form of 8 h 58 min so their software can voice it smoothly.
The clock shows 3 h 21 min
